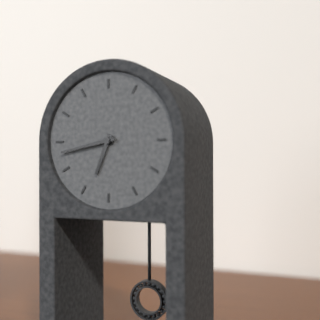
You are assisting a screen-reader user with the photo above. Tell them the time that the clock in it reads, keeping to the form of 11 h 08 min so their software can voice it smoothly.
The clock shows 6 h 43 min
